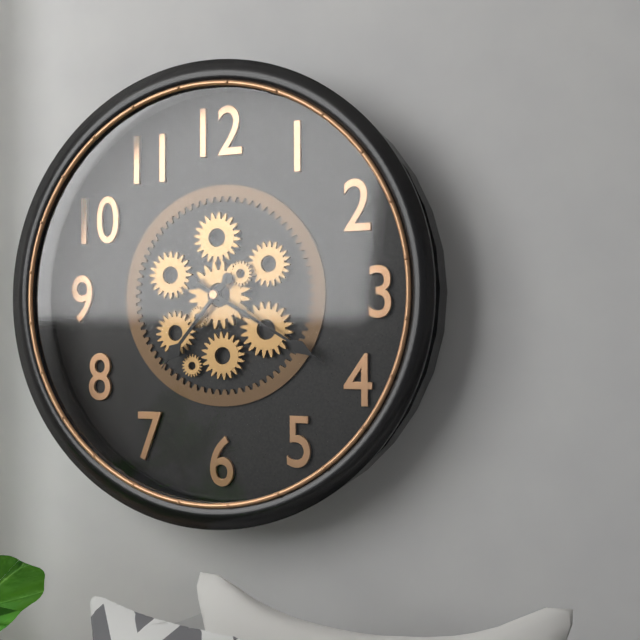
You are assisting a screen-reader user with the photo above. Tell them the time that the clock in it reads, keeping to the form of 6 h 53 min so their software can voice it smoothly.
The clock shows 7 h 20 min
